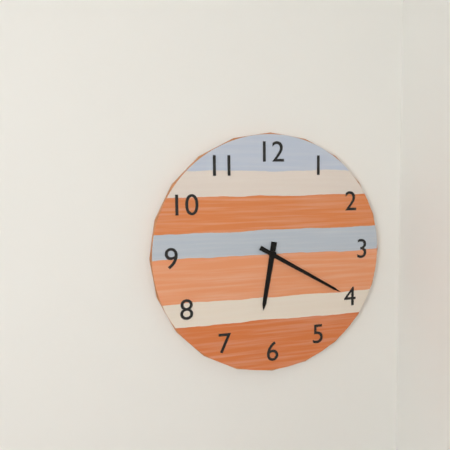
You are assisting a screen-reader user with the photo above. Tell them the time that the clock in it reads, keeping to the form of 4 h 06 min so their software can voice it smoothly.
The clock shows 6 h 20 min
